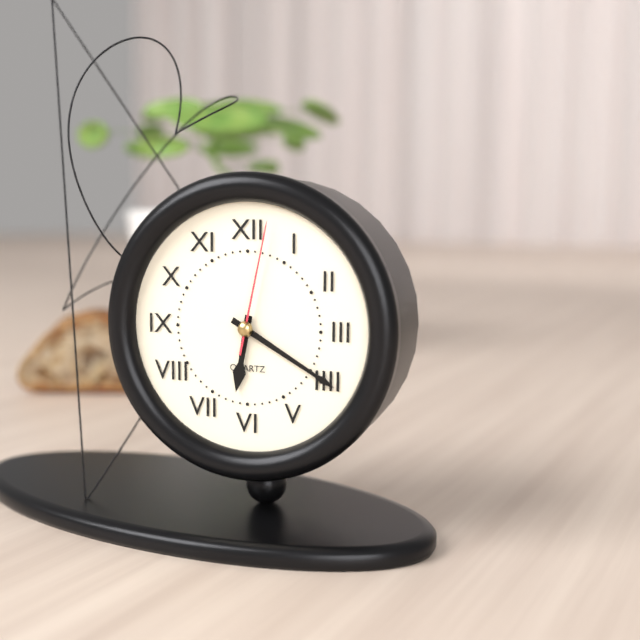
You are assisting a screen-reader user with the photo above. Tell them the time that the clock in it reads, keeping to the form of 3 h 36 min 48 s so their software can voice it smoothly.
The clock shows 6 h 20 min 02 s
